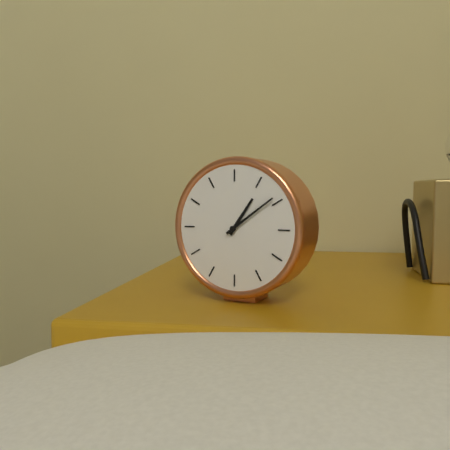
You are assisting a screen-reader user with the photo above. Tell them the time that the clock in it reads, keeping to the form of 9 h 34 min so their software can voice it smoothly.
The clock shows 1 h 09 min
